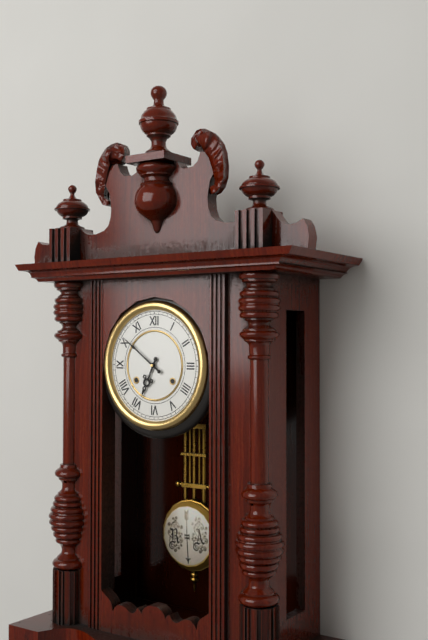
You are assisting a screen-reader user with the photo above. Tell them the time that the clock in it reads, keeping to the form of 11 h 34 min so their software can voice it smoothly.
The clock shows 6 h 51 min
